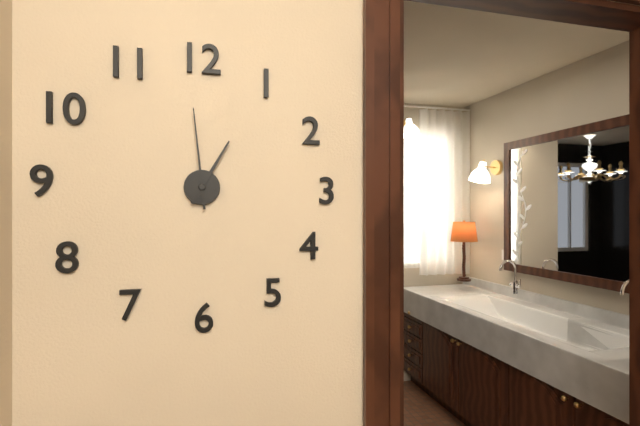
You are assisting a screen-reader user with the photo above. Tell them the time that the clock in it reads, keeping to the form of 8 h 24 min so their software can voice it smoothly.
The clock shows 12 h 59 min
